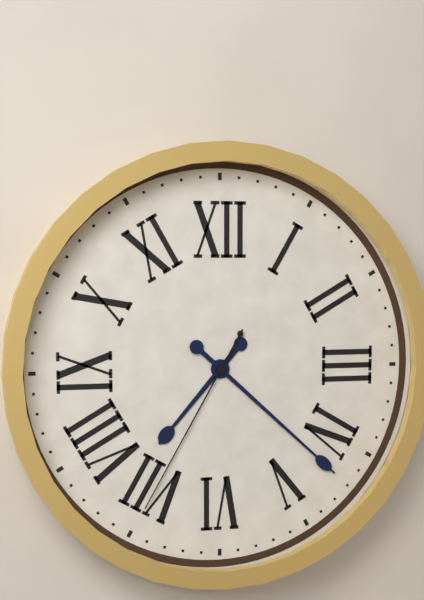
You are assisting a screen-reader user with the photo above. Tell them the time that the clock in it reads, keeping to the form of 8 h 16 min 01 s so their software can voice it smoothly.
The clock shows 7 h 22 min 35 s
